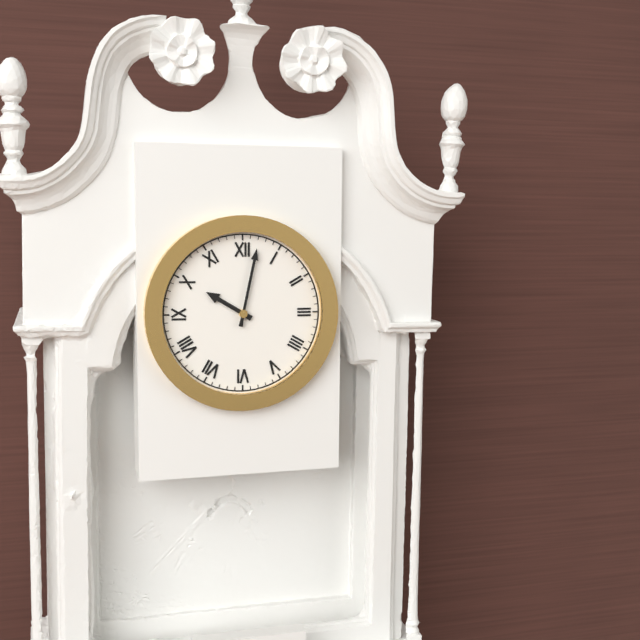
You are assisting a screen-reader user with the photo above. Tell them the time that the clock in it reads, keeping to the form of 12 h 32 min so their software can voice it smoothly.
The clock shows 10 h 02 min
